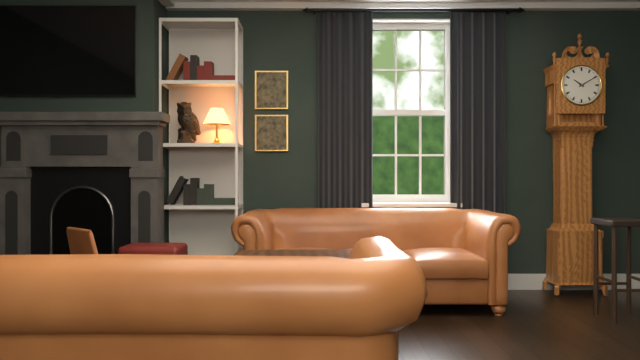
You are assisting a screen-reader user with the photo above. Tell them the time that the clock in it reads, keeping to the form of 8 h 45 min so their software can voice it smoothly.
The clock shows 10 h 10 min
